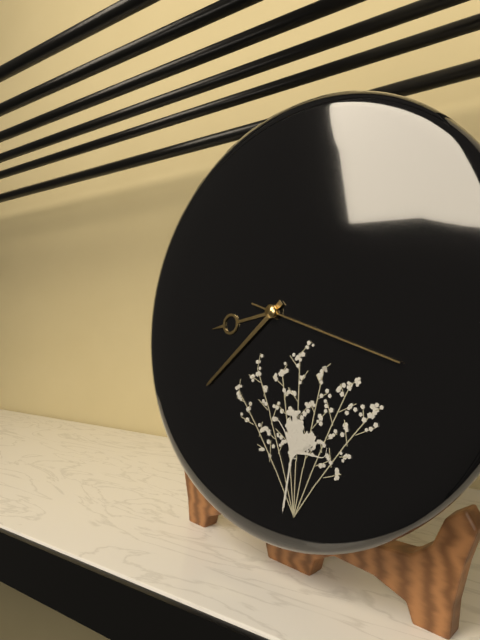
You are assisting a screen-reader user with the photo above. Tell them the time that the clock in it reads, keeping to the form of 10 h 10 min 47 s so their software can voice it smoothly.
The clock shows 8 h 38 min 18 s
